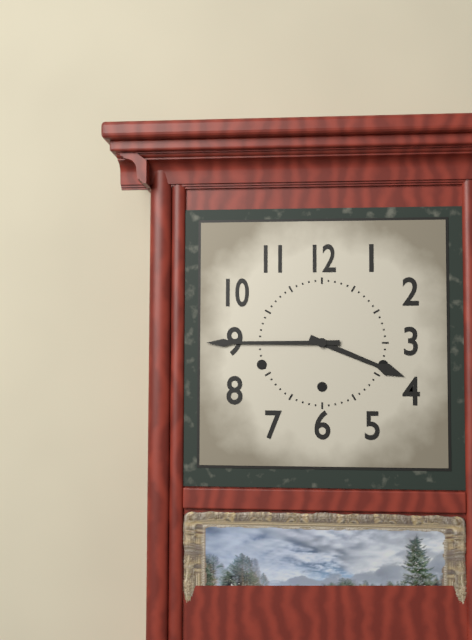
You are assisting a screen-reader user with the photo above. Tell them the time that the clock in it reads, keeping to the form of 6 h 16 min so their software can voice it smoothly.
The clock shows 3 h 45 min
